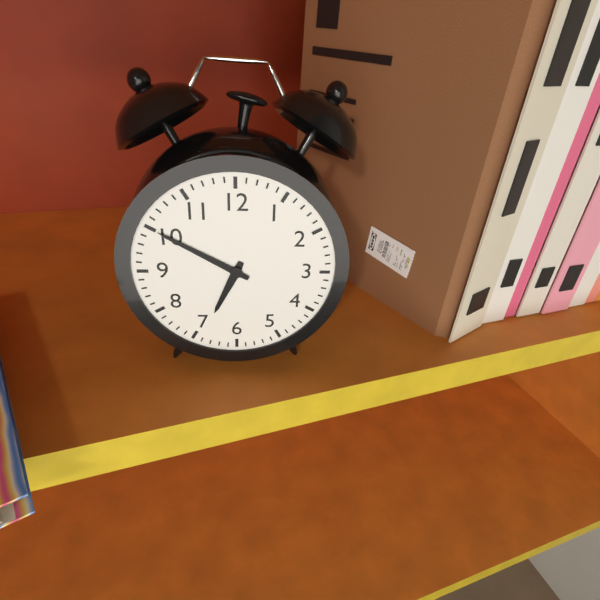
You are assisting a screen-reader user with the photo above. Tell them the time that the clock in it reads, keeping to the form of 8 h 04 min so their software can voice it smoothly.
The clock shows 6 h 50 min
